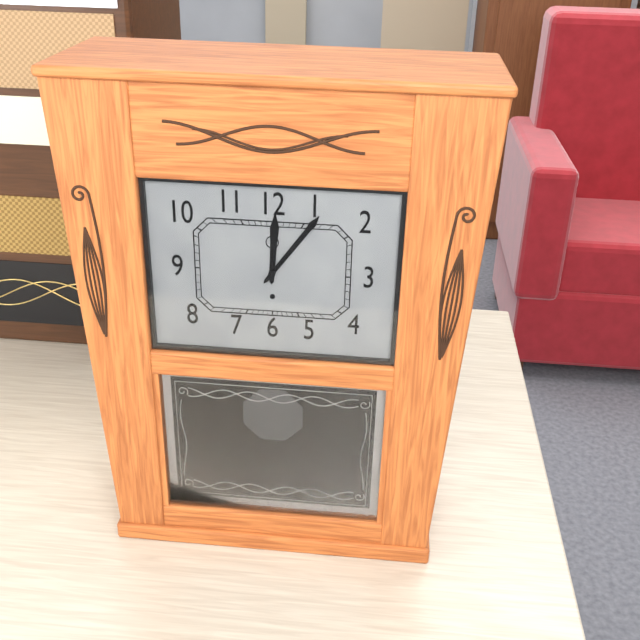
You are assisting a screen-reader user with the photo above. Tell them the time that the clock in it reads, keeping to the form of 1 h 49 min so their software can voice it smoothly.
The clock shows 12 h 06 min
